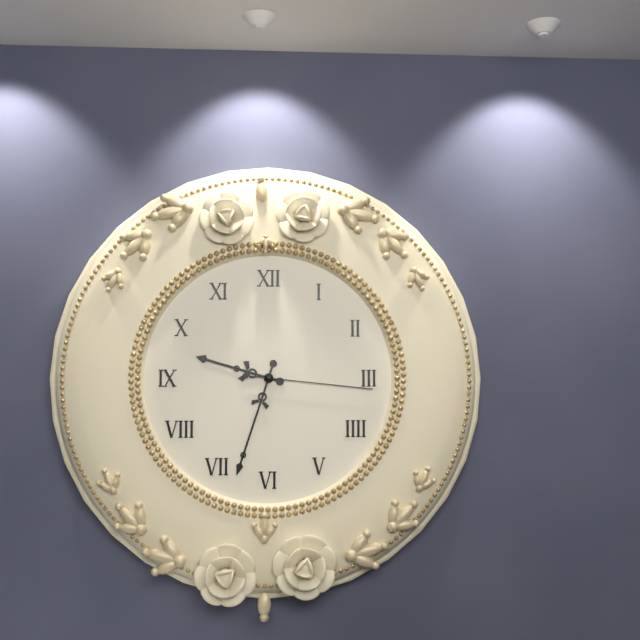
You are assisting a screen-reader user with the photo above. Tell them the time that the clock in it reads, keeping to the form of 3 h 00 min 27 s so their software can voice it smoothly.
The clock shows 9 h 33 min 16 s
